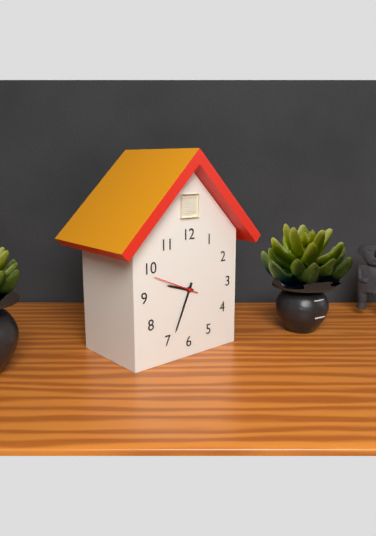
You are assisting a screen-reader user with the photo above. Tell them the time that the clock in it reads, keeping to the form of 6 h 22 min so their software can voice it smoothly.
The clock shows 9 h 34 min
